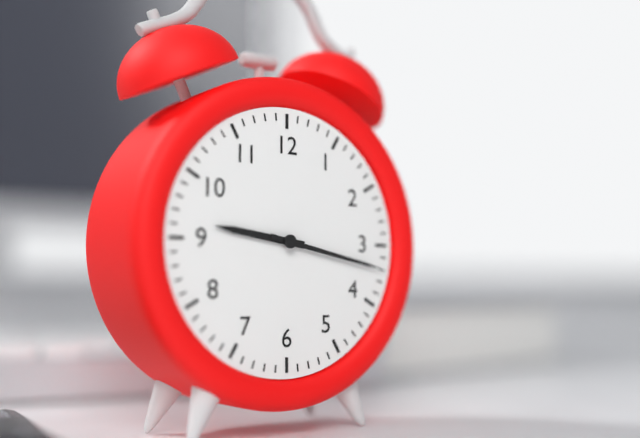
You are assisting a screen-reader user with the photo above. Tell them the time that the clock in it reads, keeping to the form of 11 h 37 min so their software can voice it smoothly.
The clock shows 9 h 17 min
